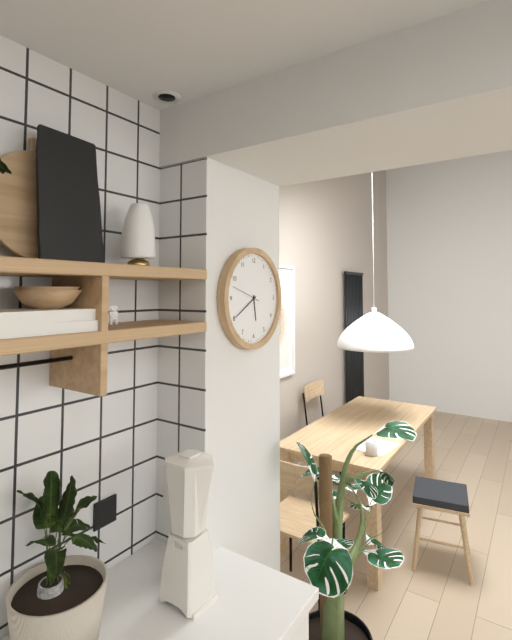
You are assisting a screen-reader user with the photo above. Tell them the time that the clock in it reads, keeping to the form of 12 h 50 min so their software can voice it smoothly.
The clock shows 5 h 40 min
